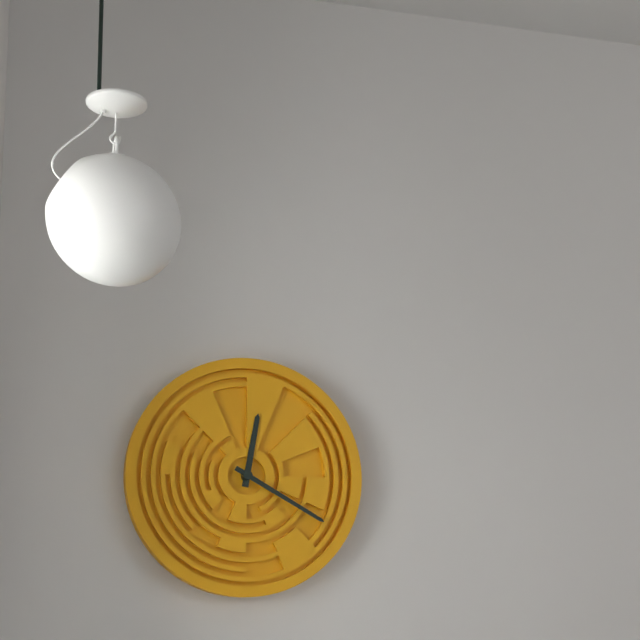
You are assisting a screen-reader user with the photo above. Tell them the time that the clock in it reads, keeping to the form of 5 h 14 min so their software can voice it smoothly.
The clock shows 12 h 20 min
